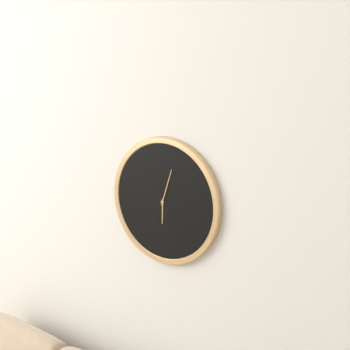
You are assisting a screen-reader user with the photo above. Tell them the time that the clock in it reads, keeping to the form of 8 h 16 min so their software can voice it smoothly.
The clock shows 6 h 03 min
